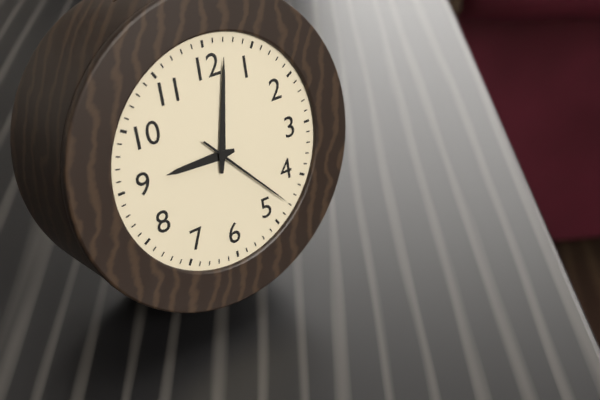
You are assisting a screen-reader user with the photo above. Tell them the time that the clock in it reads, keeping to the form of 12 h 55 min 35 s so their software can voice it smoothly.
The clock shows 9 h 02 min 23 s
